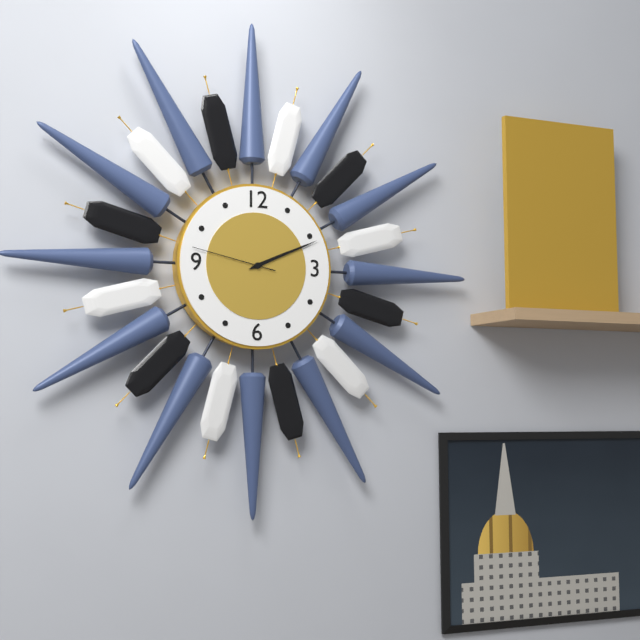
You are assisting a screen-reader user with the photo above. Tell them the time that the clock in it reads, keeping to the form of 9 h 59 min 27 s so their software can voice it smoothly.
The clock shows 2 h 11 min 47 s
